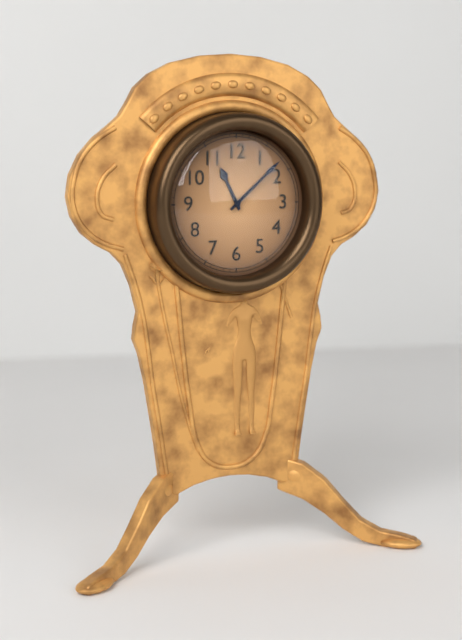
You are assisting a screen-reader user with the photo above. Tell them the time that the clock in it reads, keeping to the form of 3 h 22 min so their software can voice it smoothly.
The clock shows 11 h 08 min
